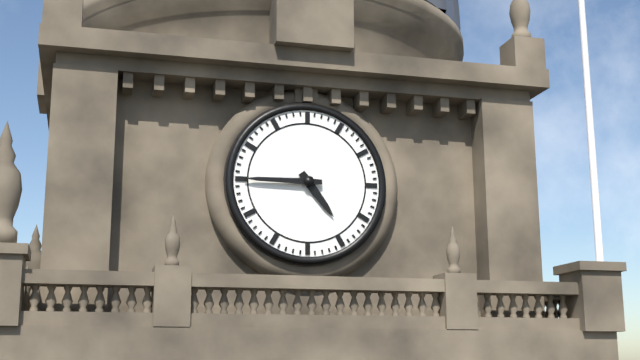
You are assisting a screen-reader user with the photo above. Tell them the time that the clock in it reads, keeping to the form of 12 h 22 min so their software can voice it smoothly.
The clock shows 4 h 45 min
